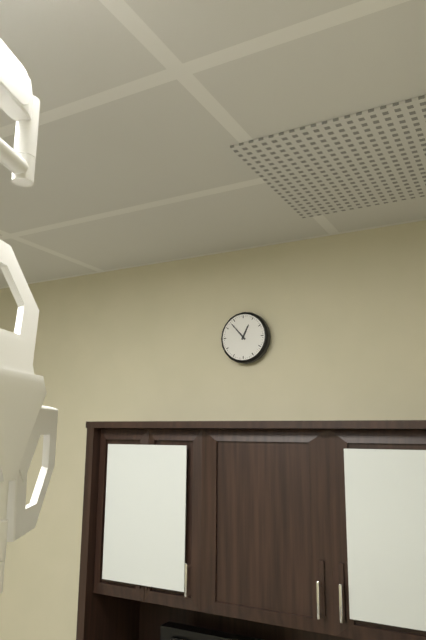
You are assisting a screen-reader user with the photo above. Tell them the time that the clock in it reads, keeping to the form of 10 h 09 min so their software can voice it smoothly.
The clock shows 12 h 53 min
